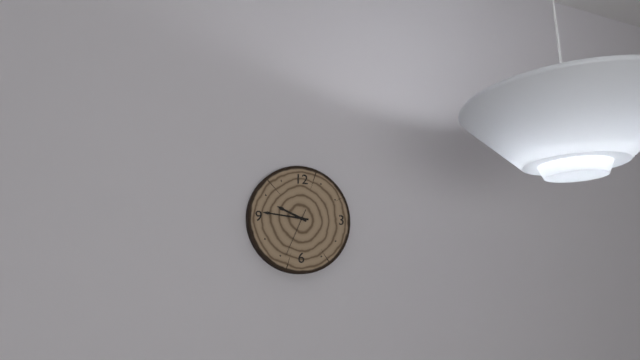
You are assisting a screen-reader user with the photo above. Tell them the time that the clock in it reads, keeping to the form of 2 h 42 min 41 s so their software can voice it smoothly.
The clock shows 9 h 46 min 34 s
